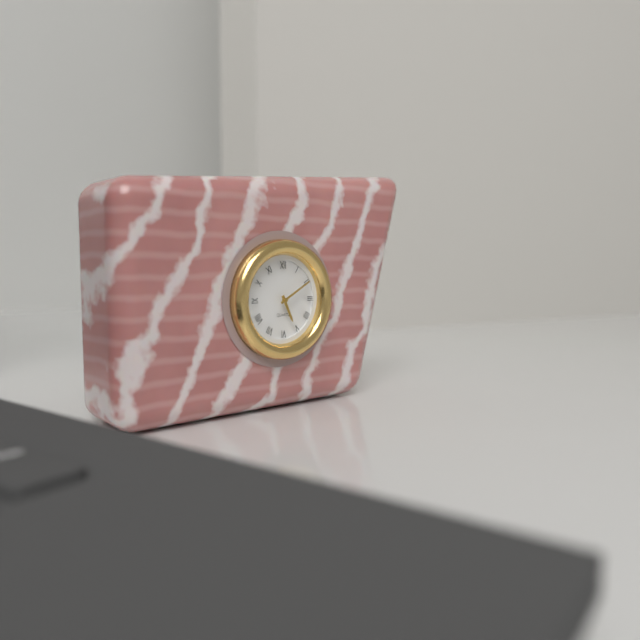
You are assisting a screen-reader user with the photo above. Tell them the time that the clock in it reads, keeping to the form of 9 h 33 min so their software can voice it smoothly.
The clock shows 5 h 10 min
